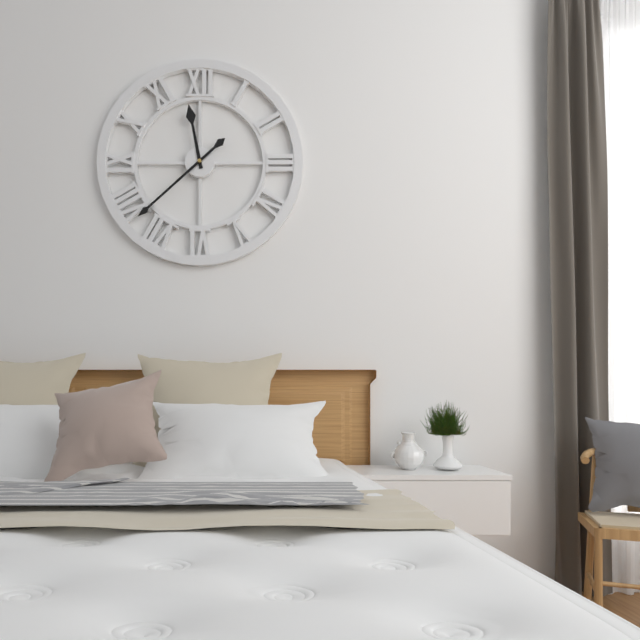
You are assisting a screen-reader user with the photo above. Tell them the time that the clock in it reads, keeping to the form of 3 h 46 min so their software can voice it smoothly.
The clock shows 11 h 38 min
